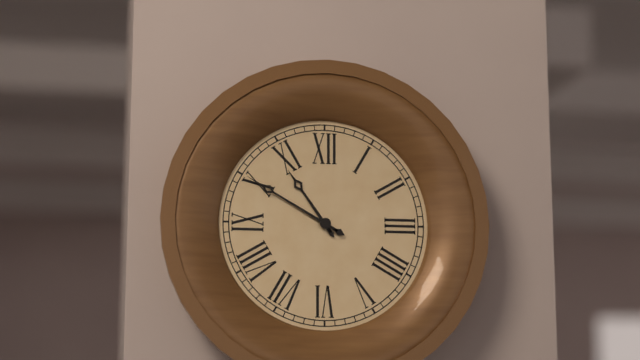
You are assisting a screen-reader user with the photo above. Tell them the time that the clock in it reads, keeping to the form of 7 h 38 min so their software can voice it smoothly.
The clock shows 10 h 50 min
